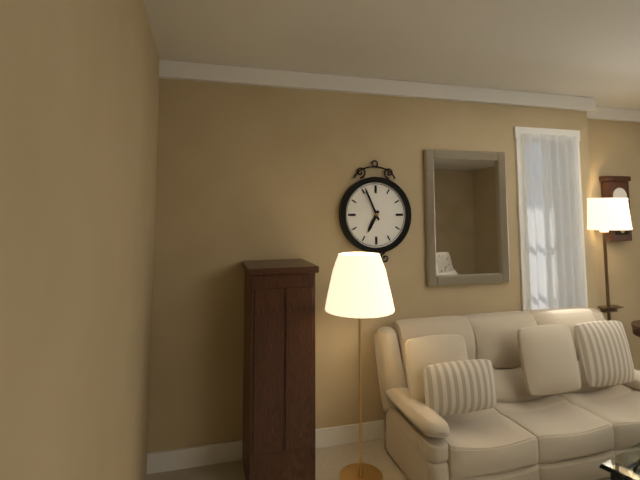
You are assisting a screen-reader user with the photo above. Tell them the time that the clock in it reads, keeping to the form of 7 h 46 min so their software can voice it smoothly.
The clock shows 6 h 56 min
